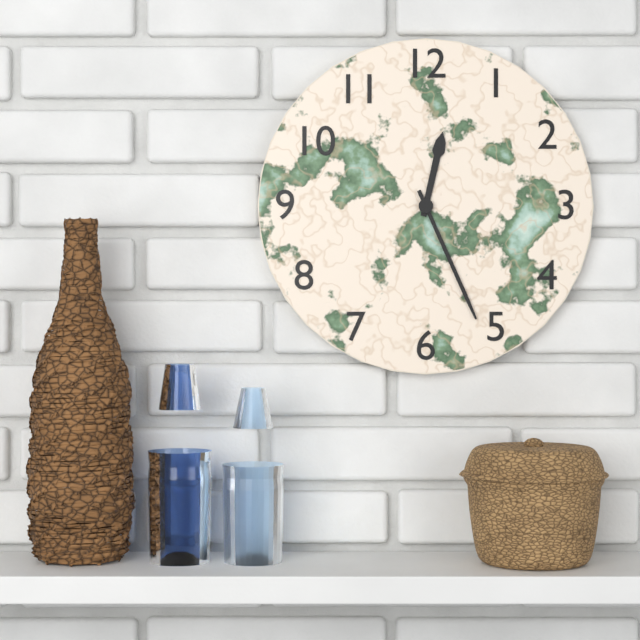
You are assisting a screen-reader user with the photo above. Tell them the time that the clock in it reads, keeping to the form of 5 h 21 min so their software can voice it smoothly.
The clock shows 12 h 26 min
